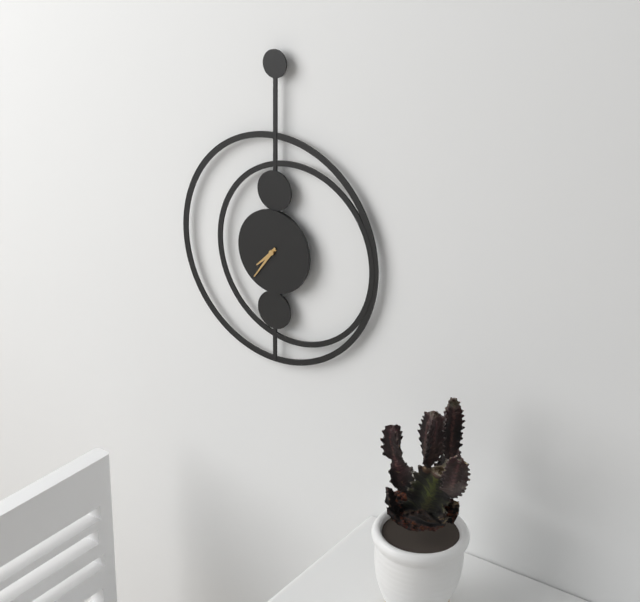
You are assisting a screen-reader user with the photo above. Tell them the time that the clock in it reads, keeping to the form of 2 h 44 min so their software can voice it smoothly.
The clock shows 7 h 36 min
